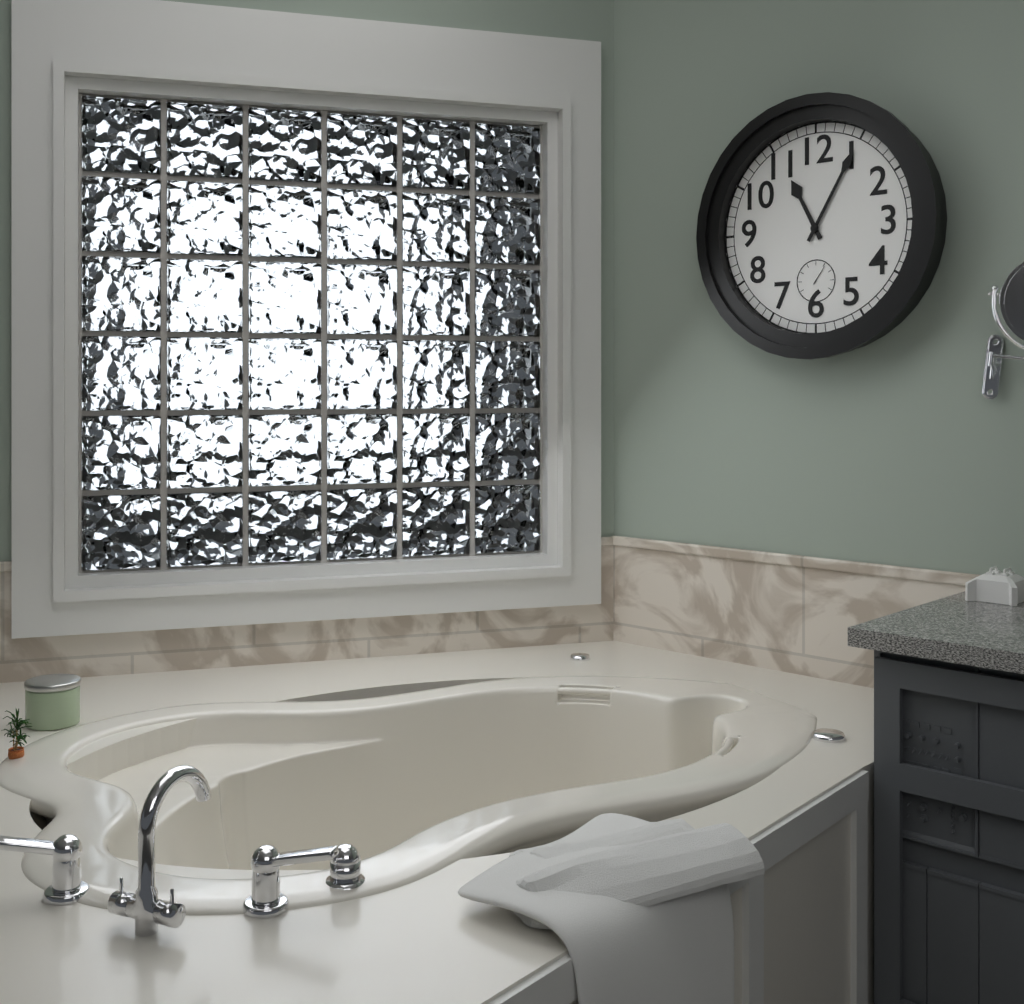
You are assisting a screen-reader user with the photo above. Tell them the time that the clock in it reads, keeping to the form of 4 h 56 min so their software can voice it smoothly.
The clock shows 11 h 05 min
